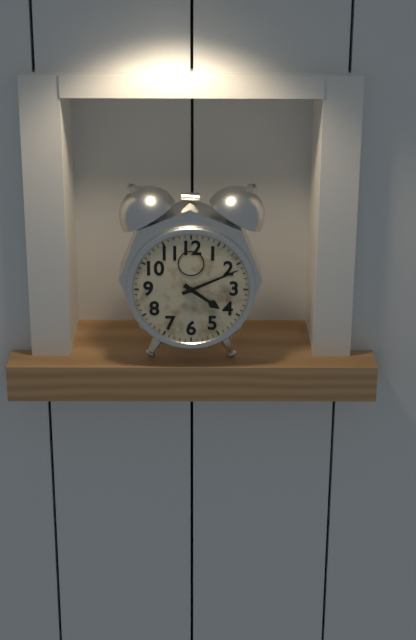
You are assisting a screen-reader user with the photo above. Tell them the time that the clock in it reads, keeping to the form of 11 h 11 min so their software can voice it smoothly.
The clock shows 4 h 11 min
